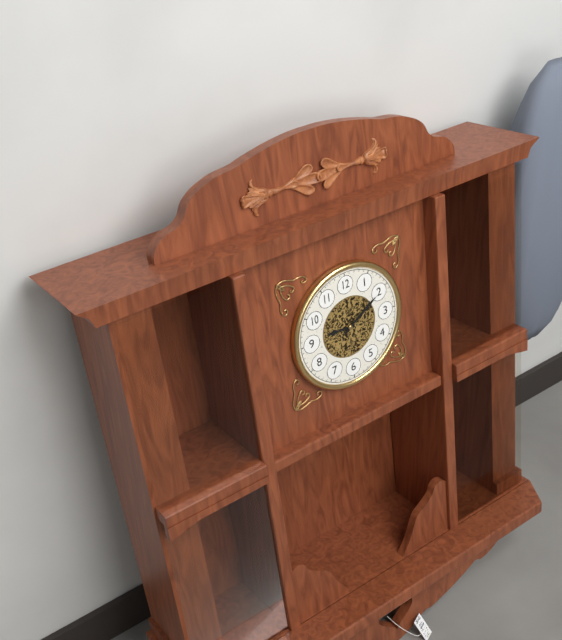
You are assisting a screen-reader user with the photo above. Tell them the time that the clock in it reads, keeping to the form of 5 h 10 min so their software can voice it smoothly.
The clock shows 9 h 10 min
